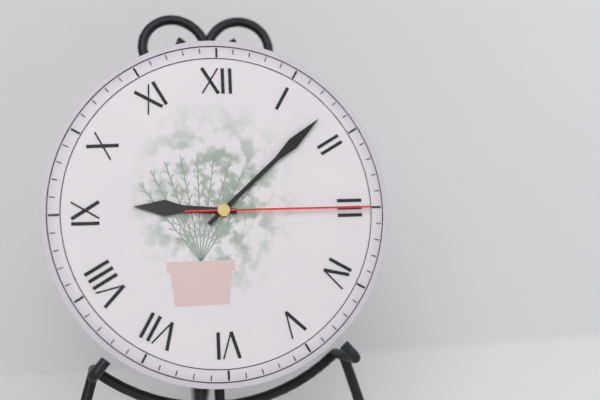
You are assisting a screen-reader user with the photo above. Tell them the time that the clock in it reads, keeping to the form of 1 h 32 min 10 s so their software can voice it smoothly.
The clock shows 9 h 08 min 15 s
